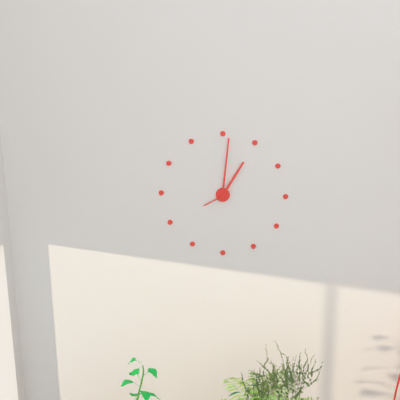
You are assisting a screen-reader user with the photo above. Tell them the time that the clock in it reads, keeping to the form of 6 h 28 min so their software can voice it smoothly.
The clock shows 1 h 01 min
